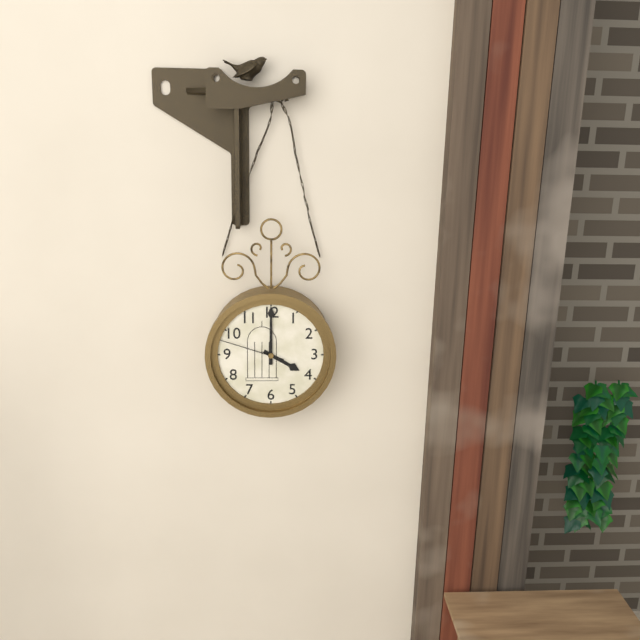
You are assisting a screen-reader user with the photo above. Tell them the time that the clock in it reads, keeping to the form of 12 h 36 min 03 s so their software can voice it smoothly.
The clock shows 4 h 00 min 48 s
